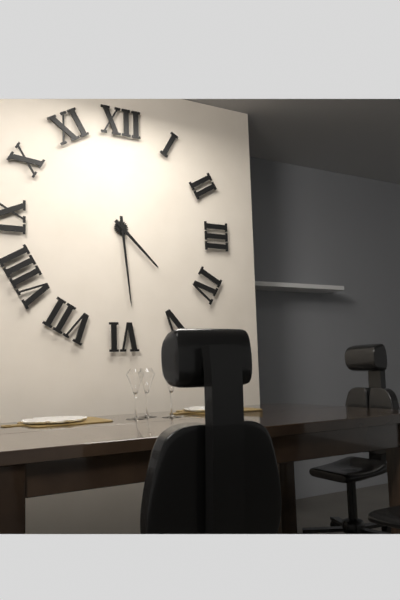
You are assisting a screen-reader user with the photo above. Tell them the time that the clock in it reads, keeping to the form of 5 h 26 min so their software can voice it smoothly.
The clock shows 4 h 29 min
